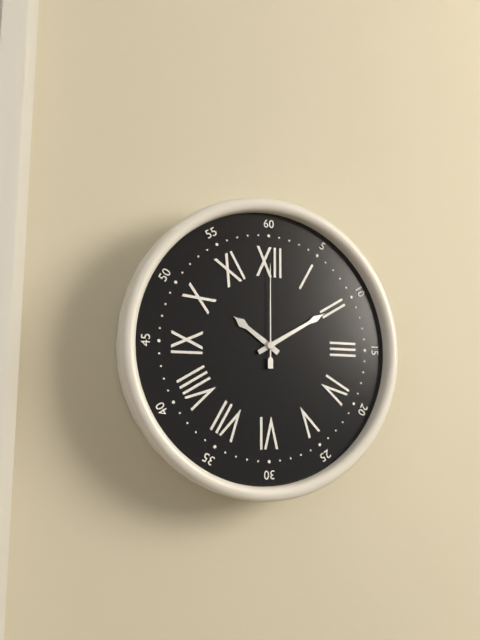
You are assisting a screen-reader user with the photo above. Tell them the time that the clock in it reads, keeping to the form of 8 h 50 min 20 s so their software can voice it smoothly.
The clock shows 10 h 10 min 00 s
